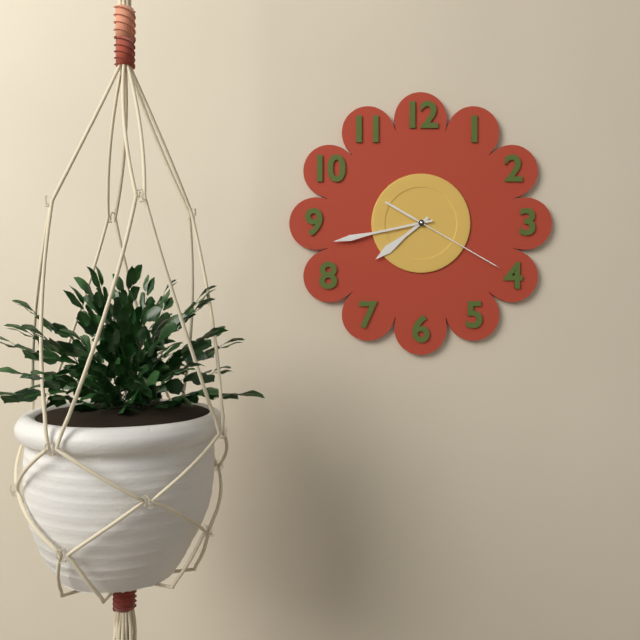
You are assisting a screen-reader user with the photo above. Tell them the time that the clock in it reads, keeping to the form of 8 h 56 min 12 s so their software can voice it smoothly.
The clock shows 7 h 43 min 20 s
